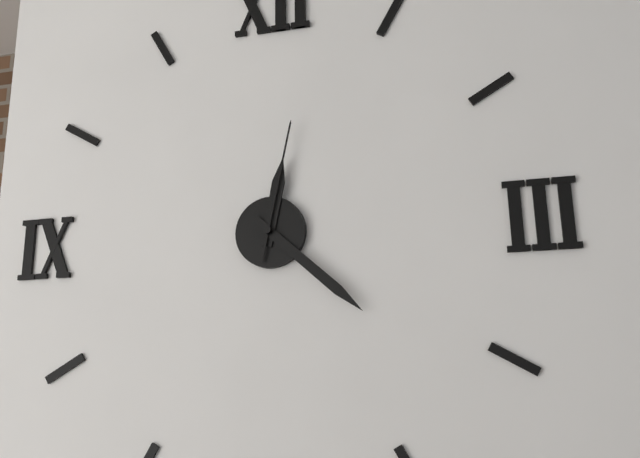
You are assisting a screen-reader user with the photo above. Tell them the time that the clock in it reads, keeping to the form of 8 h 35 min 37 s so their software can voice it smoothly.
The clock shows 12 h 22 min 02 s
